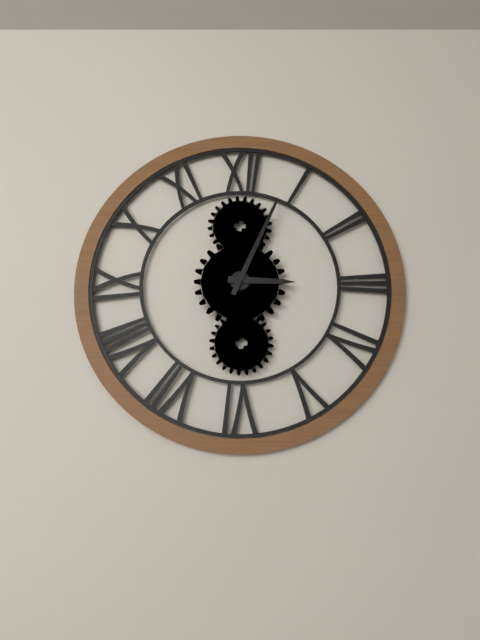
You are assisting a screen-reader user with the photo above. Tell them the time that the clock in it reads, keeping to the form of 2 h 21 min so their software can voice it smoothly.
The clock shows 3 h 04 min
